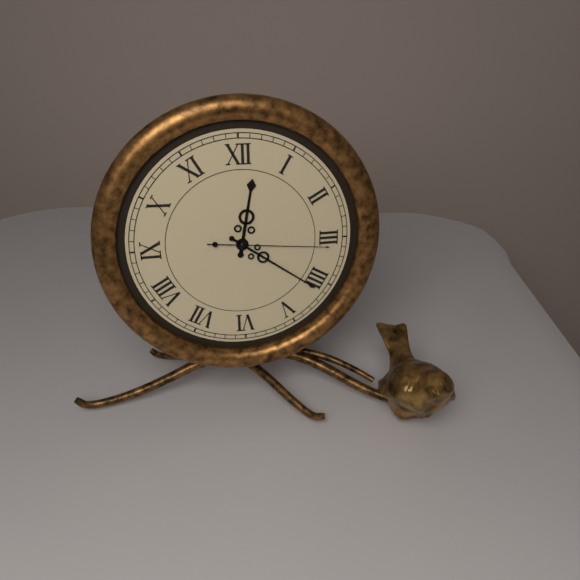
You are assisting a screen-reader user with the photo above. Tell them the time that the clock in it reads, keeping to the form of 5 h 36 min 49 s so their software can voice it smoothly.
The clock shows 12 h 21 min 16 s
